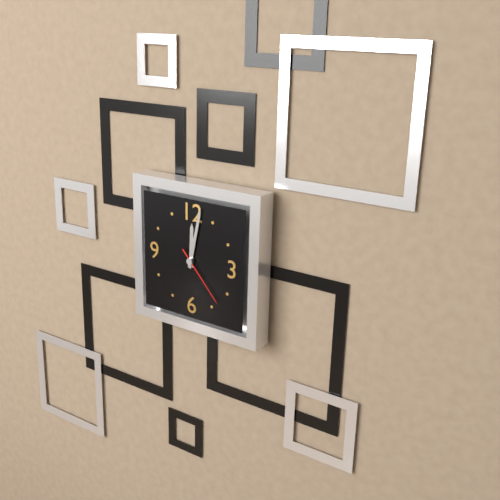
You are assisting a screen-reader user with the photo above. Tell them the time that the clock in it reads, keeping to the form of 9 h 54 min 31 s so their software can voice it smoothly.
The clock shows 12 h 02 min 23 s
